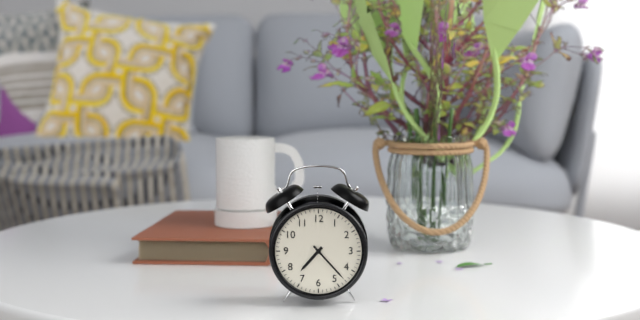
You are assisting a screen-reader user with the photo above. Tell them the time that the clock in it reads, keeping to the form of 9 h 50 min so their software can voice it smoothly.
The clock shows 7 h 23 min
